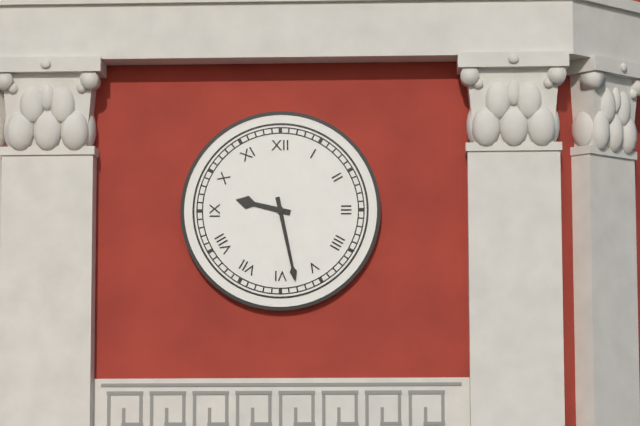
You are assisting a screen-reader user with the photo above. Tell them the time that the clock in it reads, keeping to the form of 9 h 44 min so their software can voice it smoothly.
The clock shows 9 h 28 min
